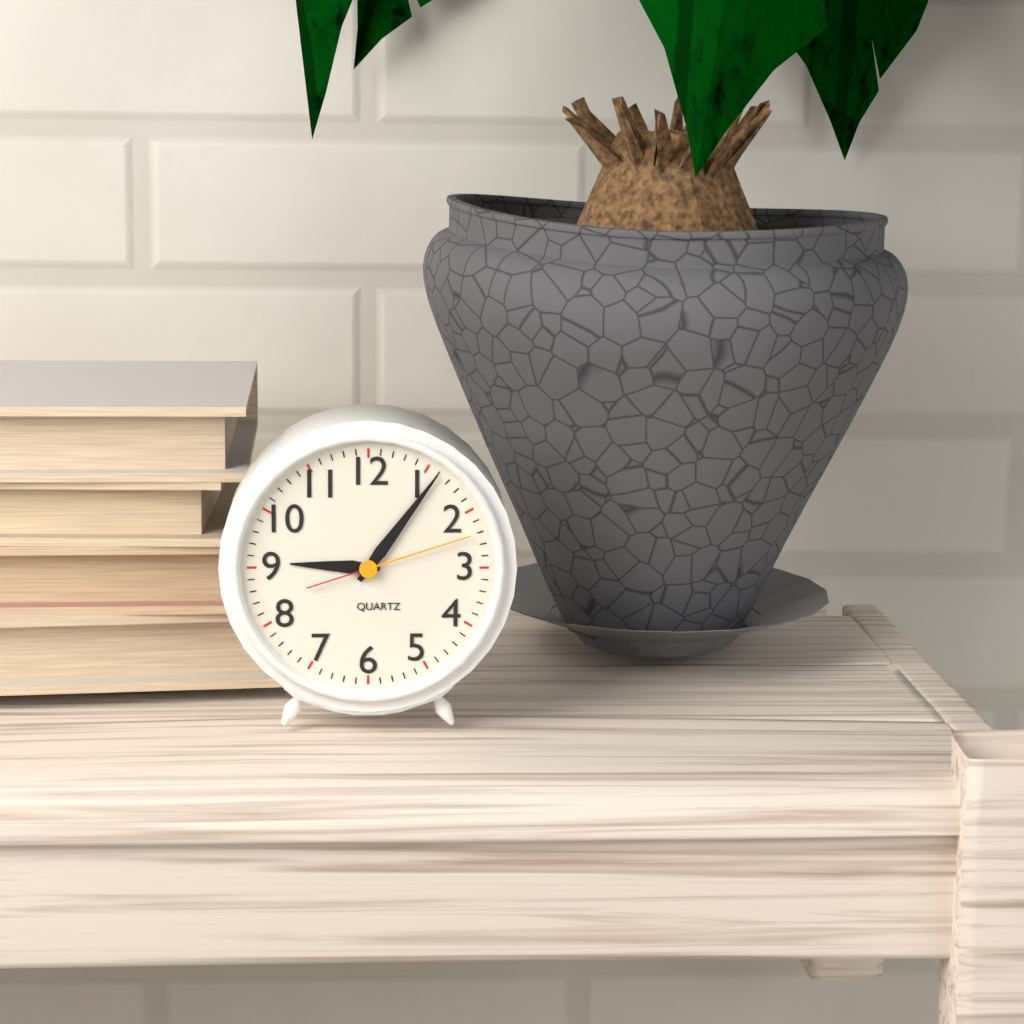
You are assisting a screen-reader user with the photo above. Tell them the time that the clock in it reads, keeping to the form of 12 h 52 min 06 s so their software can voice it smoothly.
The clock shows 9 h 06 min 12 s
